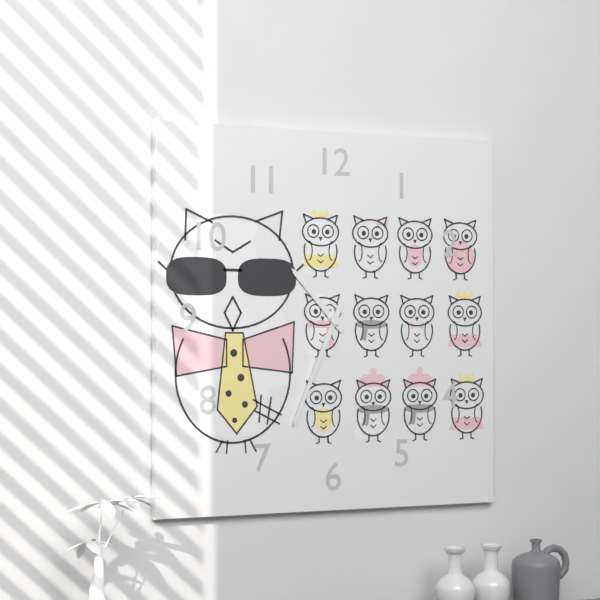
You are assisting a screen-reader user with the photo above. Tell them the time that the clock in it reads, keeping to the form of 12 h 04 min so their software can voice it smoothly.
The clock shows 10 h 34 min
